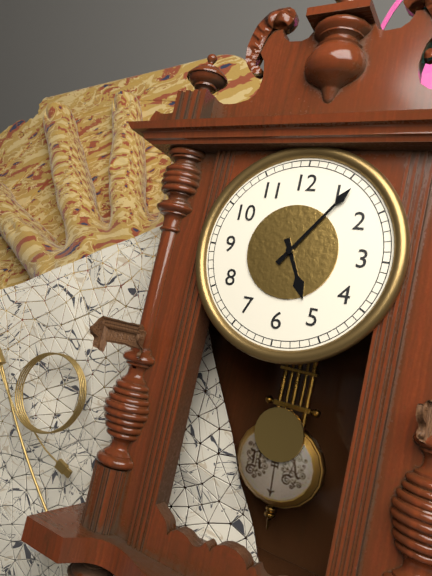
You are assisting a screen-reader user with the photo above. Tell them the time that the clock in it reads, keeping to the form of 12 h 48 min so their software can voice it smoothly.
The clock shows 5 h 06 min
